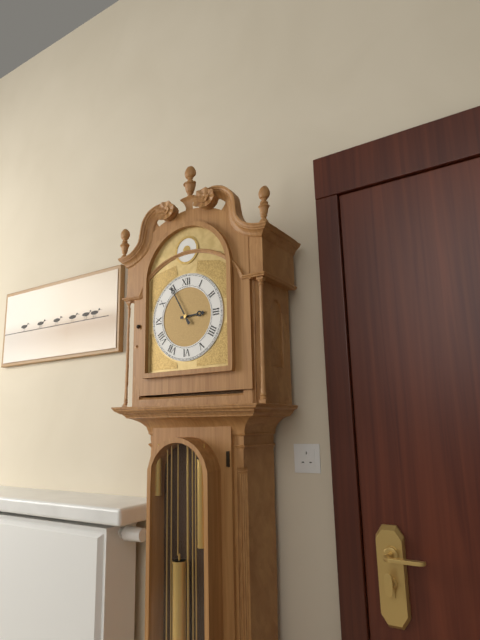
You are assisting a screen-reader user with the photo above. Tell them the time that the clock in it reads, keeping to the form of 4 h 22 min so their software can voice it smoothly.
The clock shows 2 h 55 min
